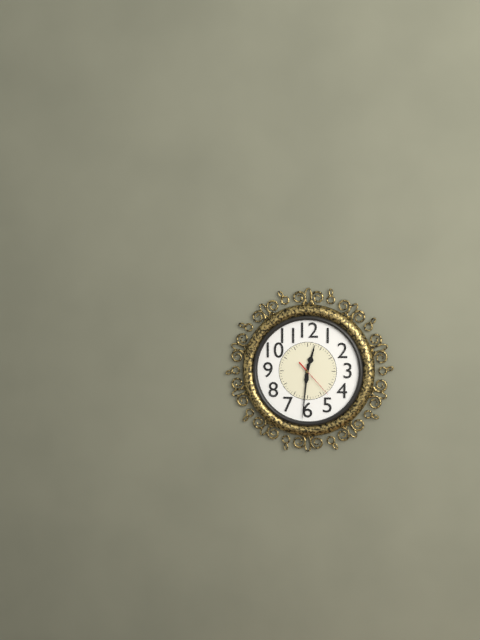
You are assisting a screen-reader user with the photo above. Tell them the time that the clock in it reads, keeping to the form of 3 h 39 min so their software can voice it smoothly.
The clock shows 12 h 31 min
